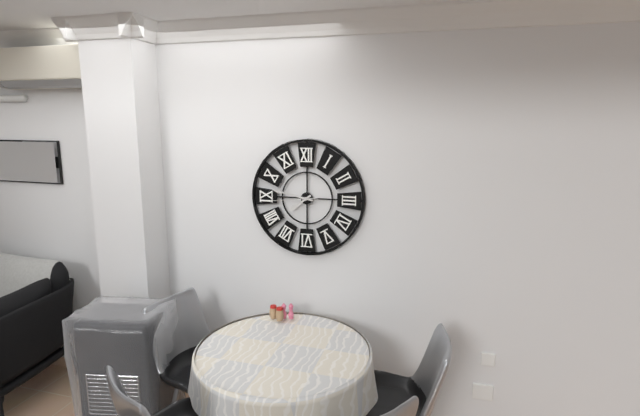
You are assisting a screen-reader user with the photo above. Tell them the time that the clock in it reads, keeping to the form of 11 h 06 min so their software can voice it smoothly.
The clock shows 7 h 47 min
